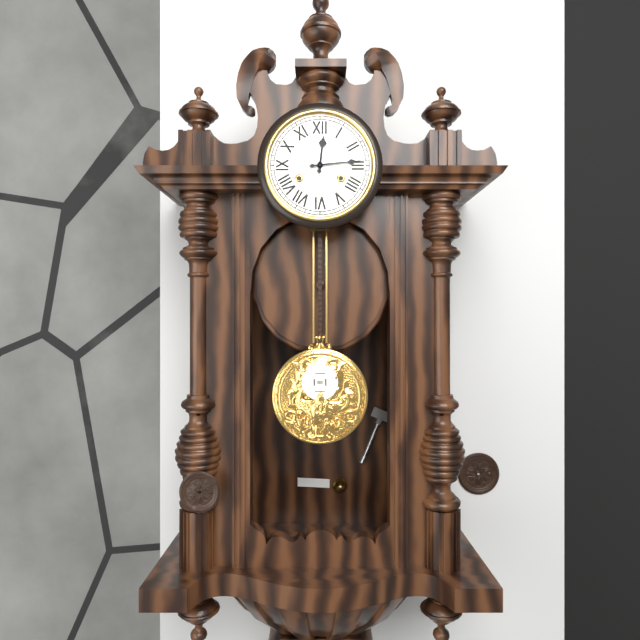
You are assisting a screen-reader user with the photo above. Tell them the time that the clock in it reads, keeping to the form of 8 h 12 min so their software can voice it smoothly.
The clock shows 12 h 14 min
